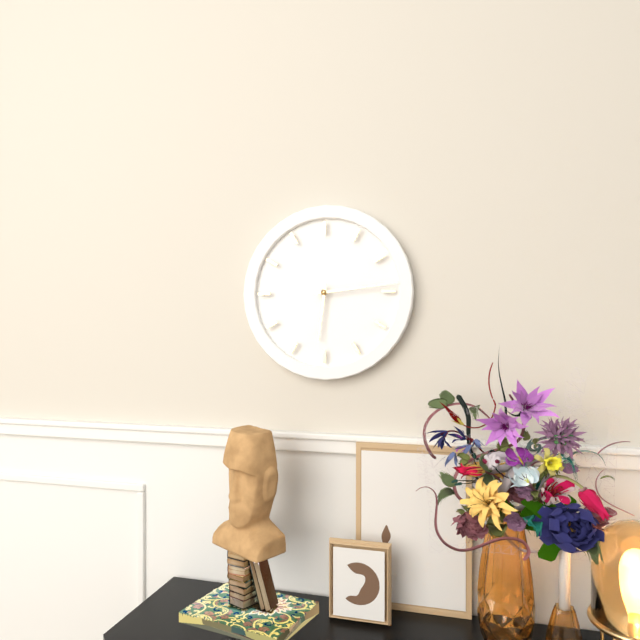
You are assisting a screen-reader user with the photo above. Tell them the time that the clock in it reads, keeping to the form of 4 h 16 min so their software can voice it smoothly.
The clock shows 6 h 14 min
